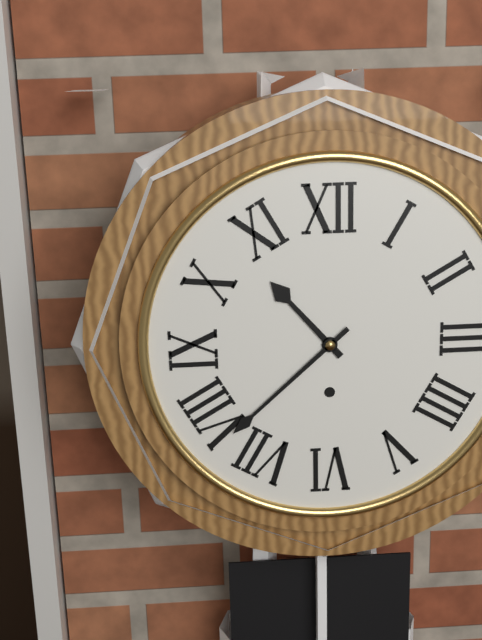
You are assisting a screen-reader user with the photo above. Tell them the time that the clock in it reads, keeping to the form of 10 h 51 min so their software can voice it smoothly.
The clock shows 10 h 38 min
